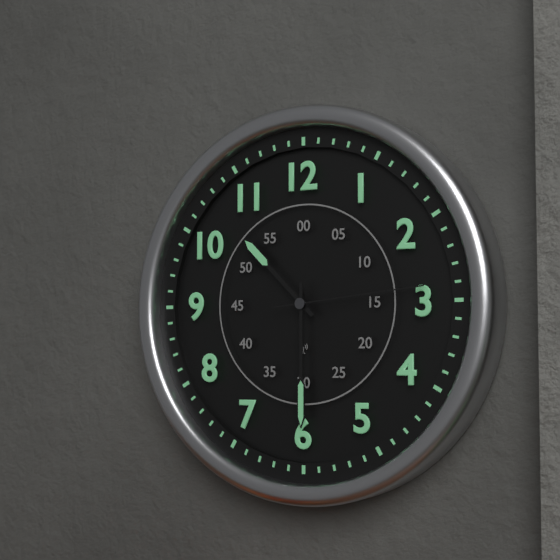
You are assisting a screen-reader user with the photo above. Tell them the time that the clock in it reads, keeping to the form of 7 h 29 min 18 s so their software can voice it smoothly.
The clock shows 10 h 30 min 14 s
